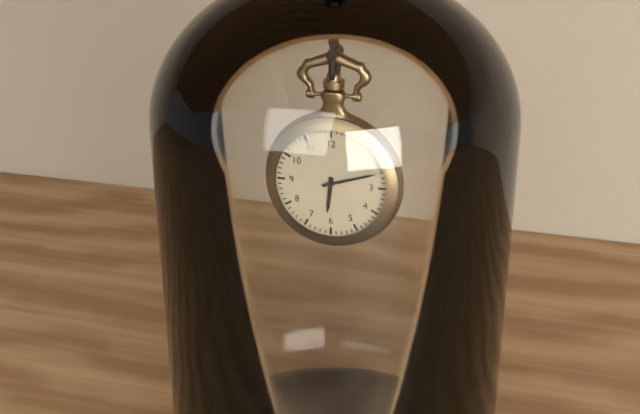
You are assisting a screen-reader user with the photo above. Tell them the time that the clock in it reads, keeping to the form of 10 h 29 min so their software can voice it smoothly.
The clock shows 6 h 12 min
